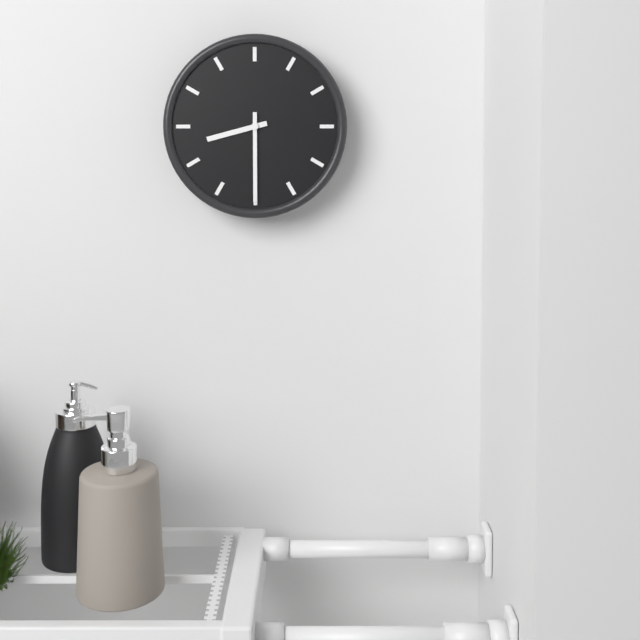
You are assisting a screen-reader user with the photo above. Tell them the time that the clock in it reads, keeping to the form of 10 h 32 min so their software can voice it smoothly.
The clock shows 8 h 30 min
